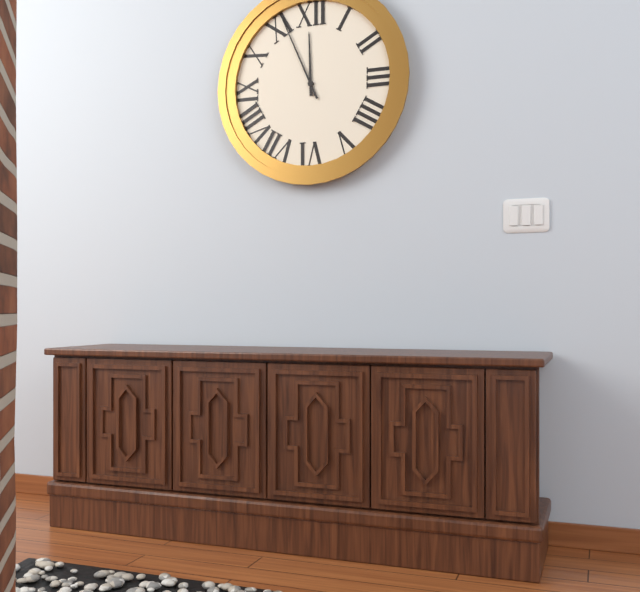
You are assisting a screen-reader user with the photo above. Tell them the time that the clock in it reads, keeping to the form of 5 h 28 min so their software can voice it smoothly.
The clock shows 11 h 56 min
